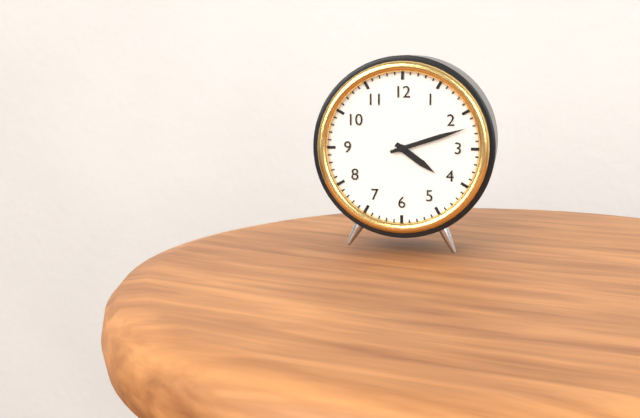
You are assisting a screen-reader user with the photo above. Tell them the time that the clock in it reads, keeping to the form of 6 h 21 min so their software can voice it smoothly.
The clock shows 4 h 12 min
